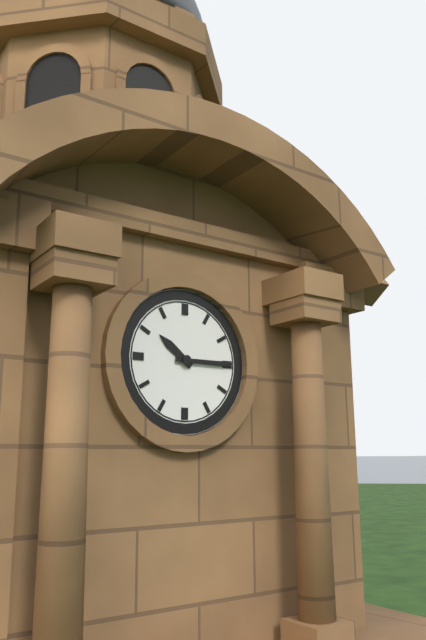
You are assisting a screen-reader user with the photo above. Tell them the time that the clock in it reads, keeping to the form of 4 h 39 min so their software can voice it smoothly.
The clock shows 10 h 15 min
